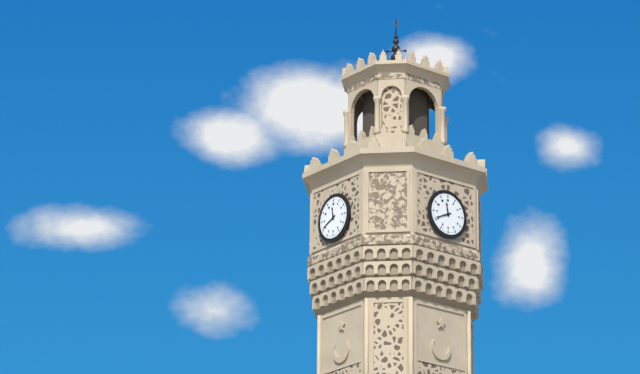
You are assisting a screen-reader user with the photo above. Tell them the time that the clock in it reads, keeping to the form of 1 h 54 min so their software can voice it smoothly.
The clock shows 11 h 41 min
